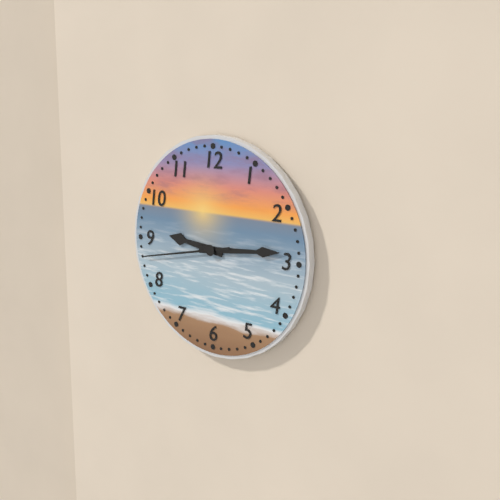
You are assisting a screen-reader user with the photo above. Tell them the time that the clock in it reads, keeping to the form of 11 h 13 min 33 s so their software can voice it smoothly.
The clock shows 9 h 14 min 43 s
